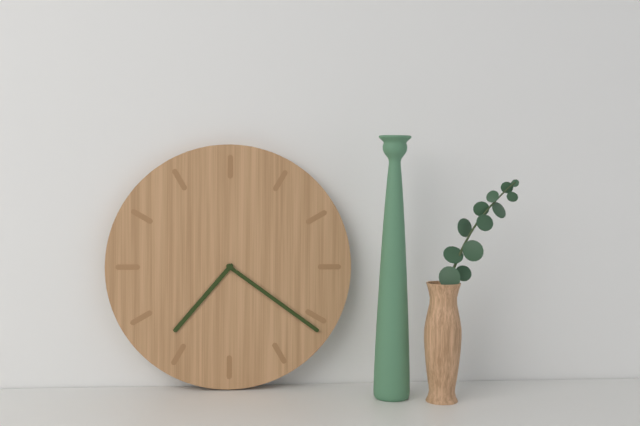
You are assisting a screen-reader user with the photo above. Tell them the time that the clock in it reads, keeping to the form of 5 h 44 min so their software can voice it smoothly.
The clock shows 7 h 21 min
